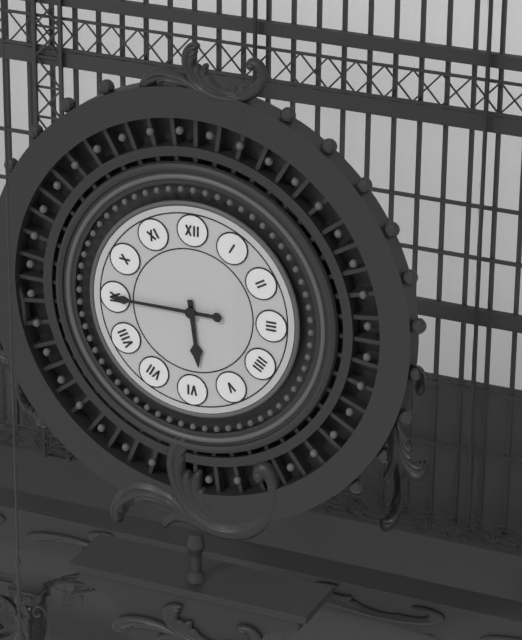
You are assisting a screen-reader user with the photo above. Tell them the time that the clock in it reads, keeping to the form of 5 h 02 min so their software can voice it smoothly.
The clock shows 5 h 45 min
